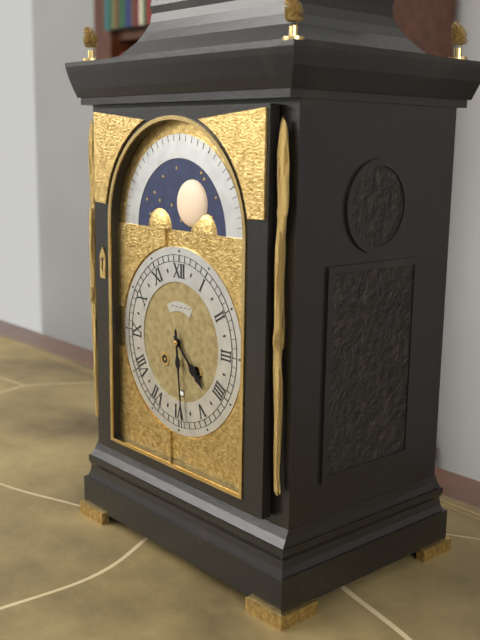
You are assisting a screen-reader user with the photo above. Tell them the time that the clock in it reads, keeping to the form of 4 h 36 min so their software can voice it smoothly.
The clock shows 4 h 29 min
